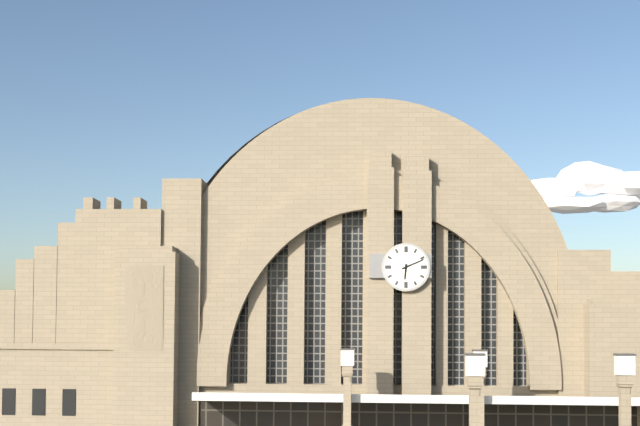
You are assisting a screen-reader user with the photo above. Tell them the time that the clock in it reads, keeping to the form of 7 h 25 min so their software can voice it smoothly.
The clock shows 6 h 11 min
